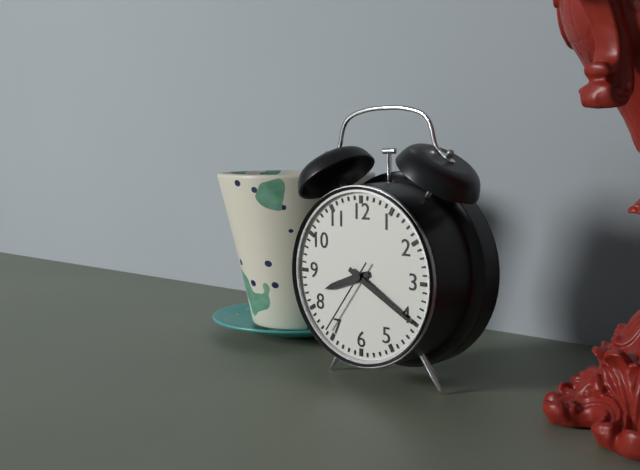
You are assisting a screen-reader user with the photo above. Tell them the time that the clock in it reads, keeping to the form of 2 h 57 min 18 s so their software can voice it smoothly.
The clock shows 8 h 20 min 36 s
